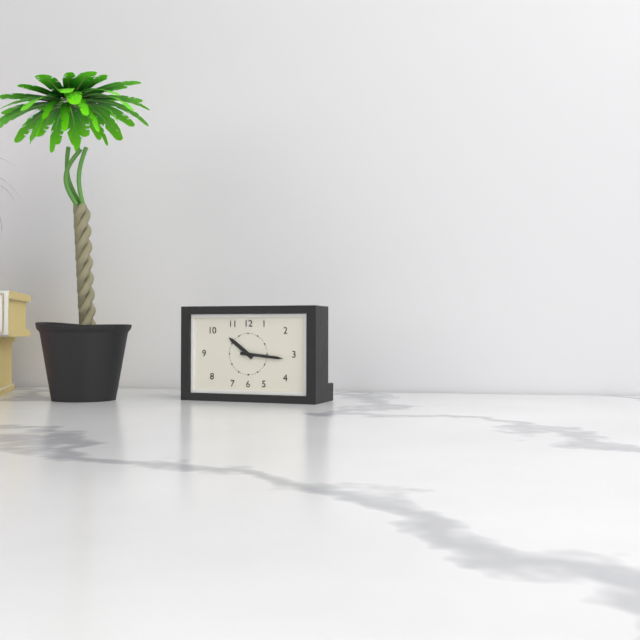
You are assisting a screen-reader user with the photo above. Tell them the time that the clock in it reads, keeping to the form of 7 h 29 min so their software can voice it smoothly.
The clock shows 10 h 16 min
